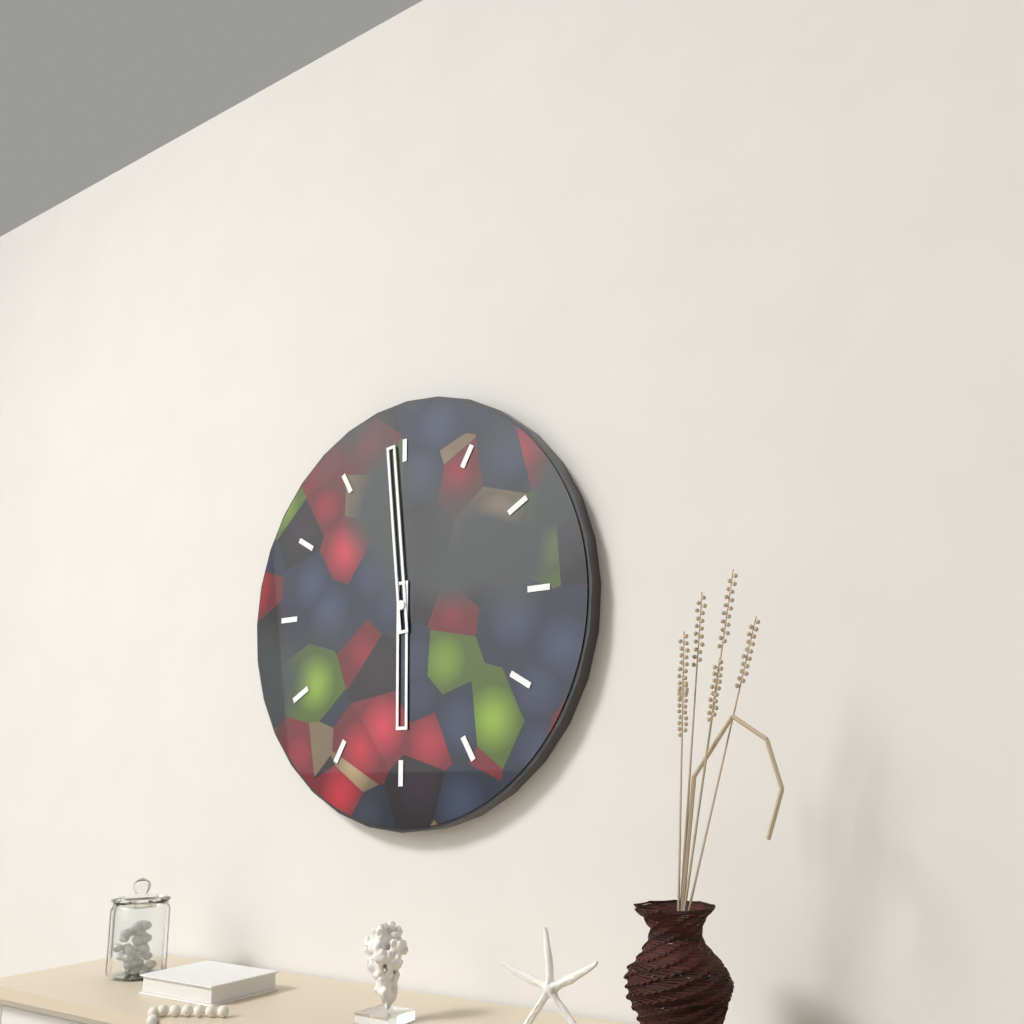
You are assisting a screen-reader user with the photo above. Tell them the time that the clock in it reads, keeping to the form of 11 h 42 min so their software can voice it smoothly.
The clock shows 5 h 59 min
